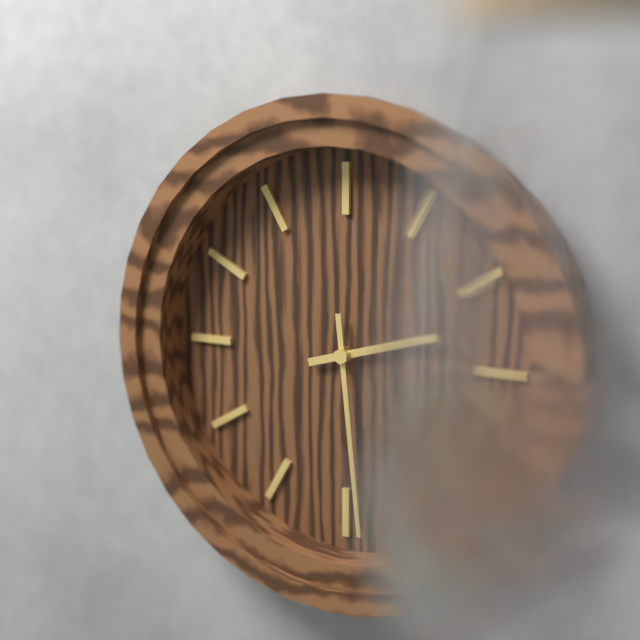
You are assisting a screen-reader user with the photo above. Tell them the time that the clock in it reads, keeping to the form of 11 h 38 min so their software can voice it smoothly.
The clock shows 2 h 29 min
